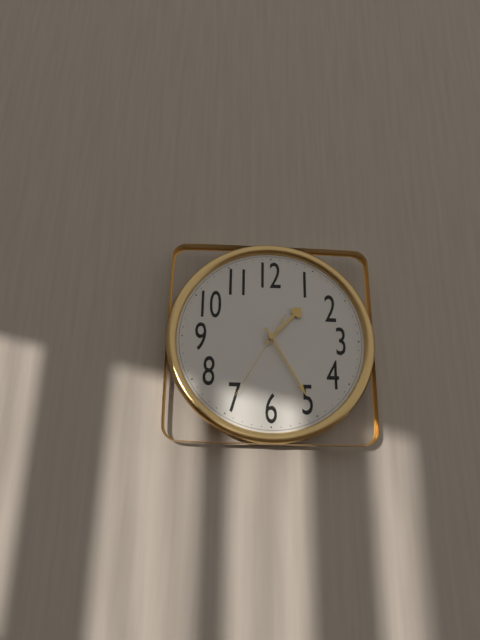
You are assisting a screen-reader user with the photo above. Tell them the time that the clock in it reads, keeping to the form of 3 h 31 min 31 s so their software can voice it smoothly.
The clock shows 1 h 25 min 35 s
